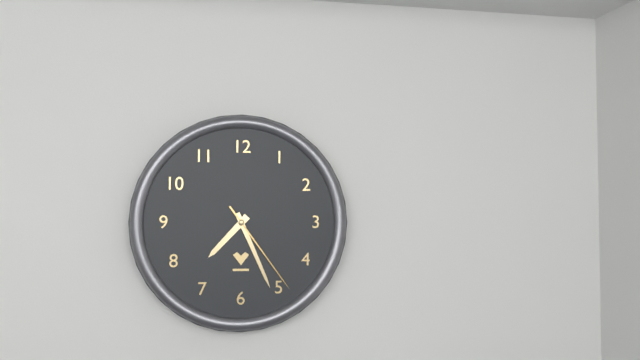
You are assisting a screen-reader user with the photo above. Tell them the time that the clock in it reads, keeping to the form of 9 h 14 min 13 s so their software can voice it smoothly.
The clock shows 7 h 26 min 24 s
